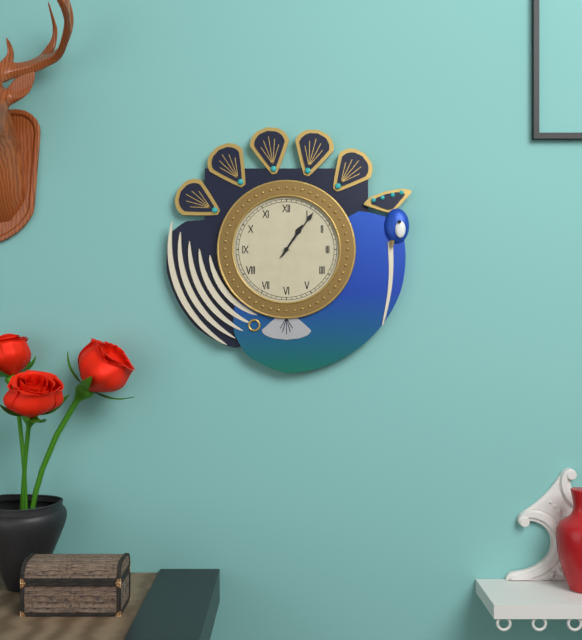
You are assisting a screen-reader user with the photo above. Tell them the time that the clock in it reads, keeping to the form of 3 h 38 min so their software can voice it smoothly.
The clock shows 1 h 06 min
